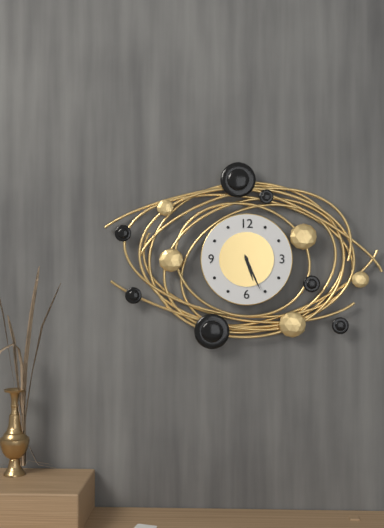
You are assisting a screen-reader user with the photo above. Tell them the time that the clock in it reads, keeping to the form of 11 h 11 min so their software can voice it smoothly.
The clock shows 5 h 26 min
